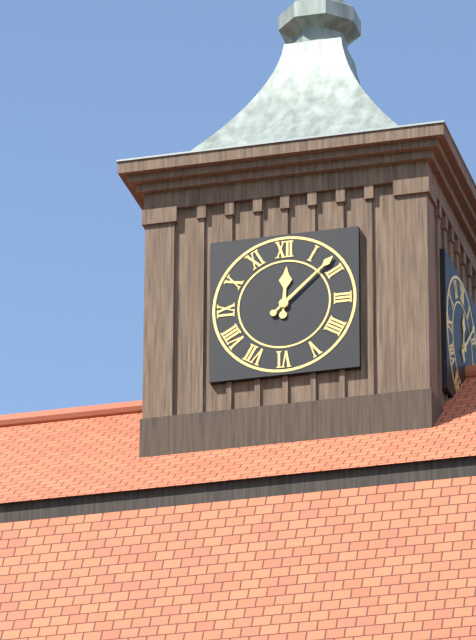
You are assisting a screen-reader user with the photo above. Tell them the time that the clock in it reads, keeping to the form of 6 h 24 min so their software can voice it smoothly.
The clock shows 12 h 08 min
